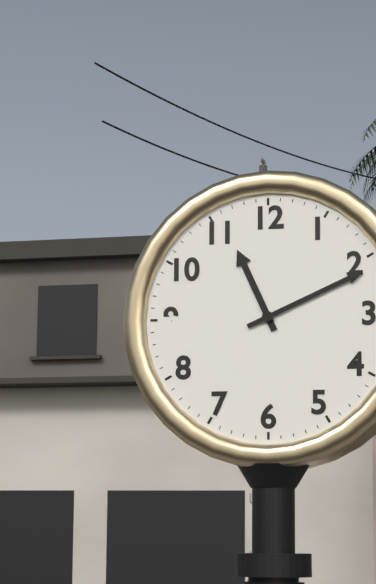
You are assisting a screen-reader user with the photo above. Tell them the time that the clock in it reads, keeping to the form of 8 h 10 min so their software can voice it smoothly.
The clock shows 11 h 11 min
